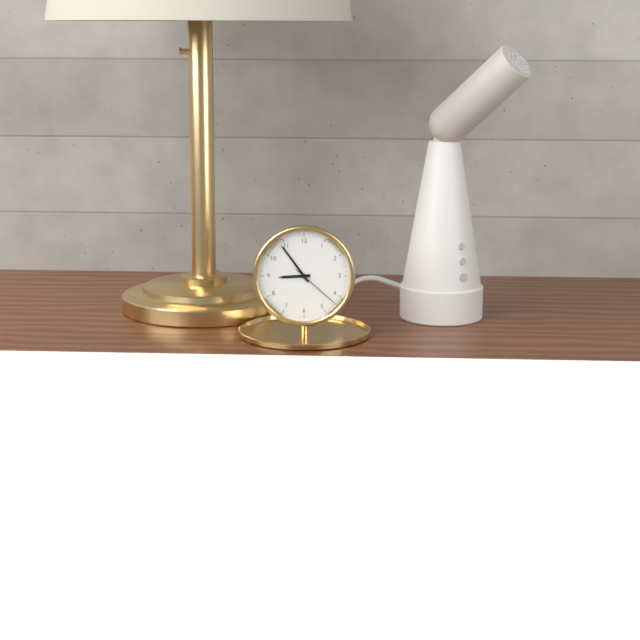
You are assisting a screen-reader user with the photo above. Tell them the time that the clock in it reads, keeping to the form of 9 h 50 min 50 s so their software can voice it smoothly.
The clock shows 8 h 54 min 22 s
